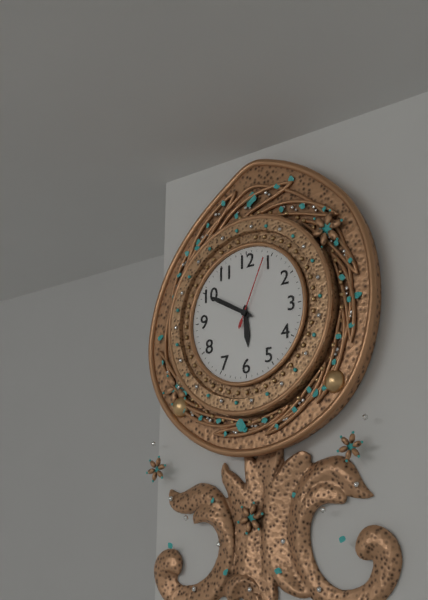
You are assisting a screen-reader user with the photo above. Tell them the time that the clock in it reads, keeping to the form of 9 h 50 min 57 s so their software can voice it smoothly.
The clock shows 5 h 50 min 04 s
